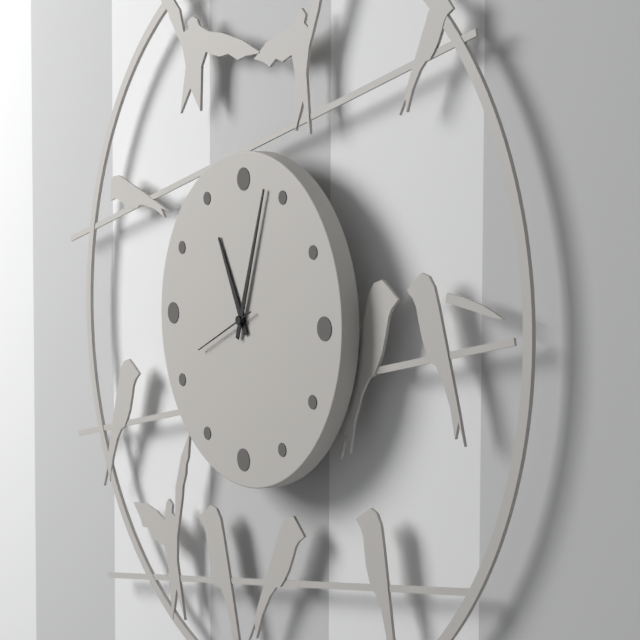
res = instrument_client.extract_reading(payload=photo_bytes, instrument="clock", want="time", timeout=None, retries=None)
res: 11:03:41
